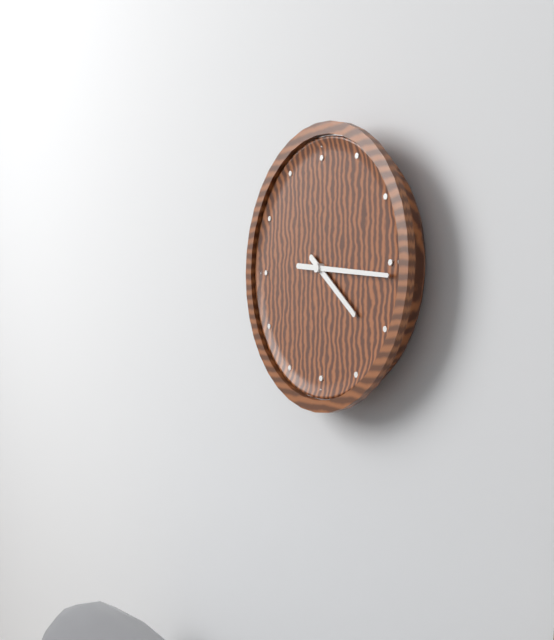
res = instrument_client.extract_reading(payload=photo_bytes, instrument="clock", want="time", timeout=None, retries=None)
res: 4:16
